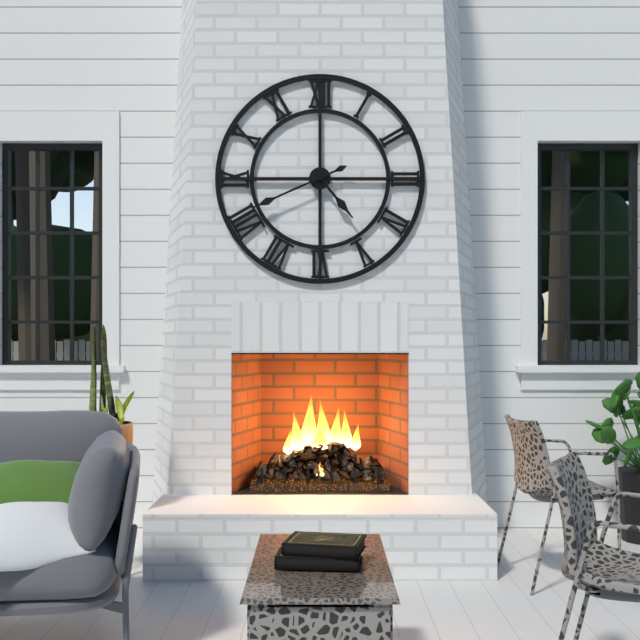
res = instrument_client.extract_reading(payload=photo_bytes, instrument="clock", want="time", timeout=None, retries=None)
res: 4:41
